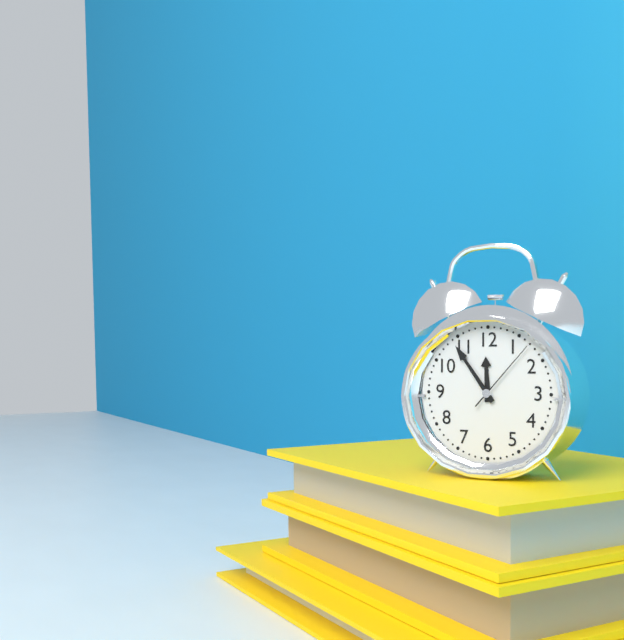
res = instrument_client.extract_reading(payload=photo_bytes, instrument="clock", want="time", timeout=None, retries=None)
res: 11:54:07
